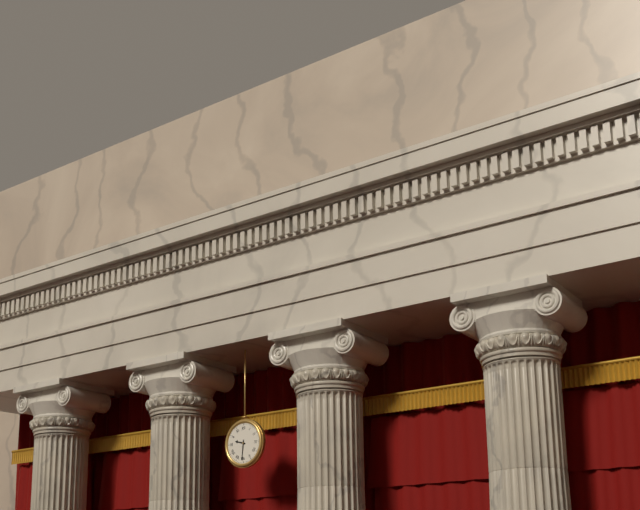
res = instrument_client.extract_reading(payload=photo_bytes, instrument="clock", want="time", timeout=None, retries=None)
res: 9:31
